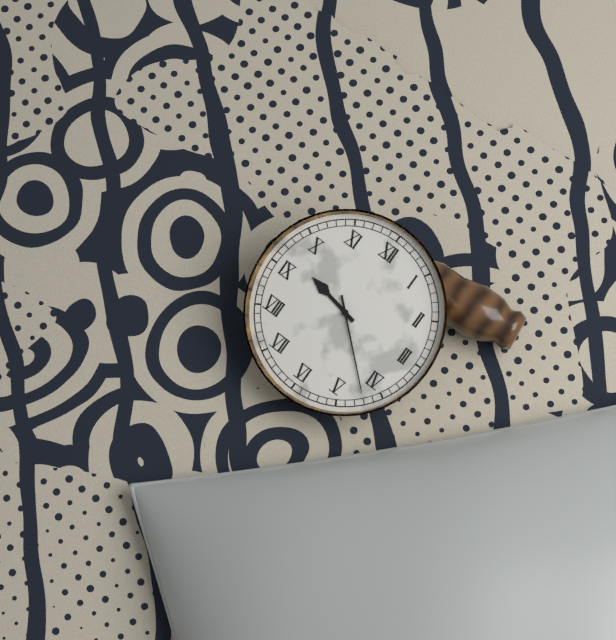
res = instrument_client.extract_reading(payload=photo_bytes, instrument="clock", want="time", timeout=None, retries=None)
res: 9:22
